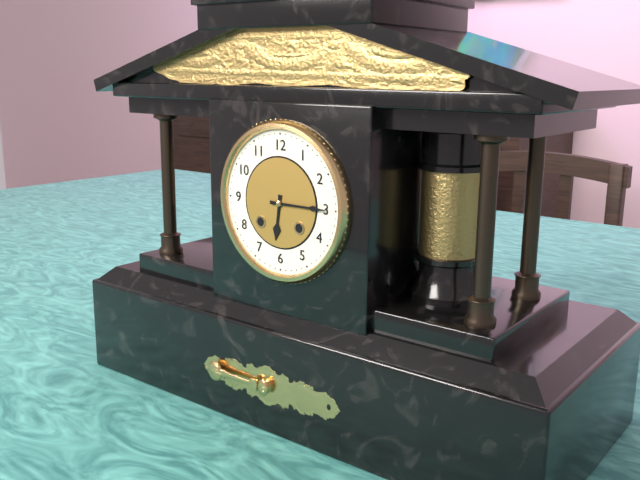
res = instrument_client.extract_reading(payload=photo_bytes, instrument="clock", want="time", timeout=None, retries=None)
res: 6:15
